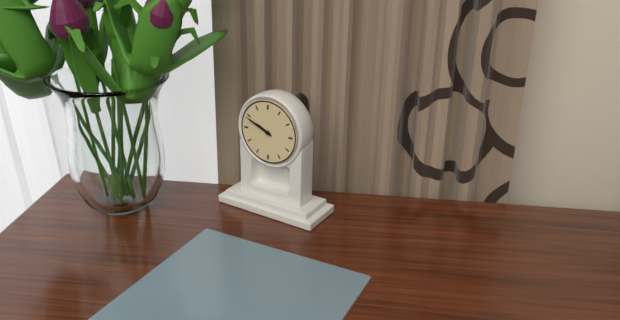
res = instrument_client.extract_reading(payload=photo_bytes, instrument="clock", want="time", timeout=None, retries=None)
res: 9:49
